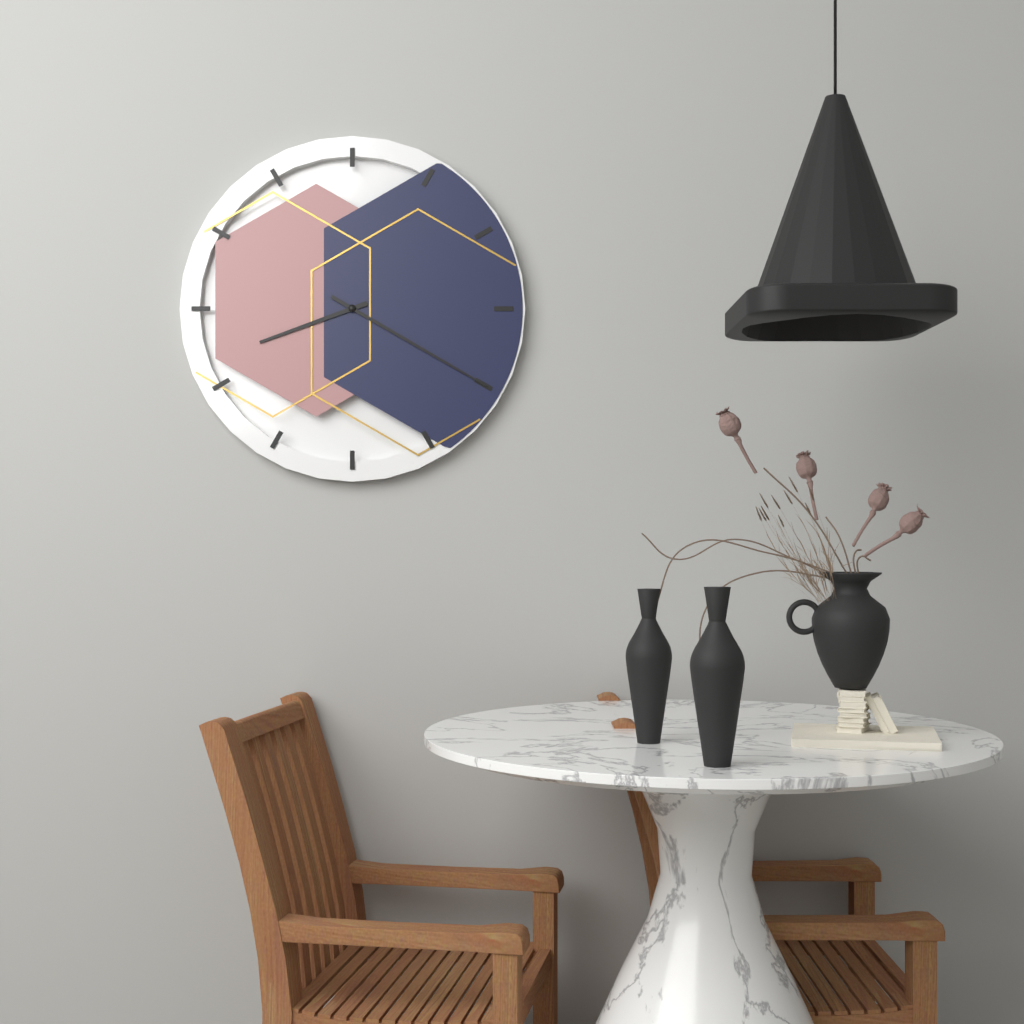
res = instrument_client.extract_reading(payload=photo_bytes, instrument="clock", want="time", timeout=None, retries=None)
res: 8:20
